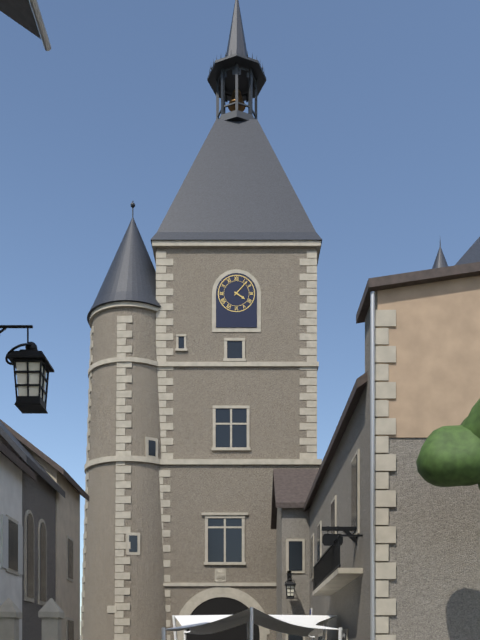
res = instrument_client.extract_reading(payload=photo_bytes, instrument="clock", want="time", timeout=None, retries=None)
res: 4:07
